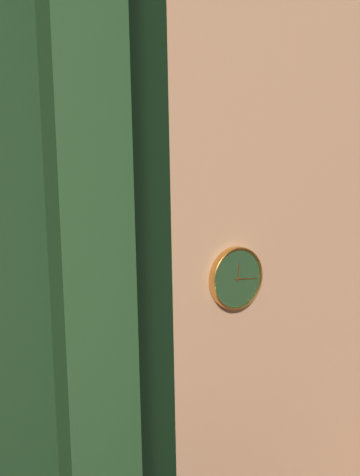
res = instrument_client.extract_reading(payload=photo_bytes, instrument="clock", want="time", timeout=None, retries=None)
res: 12:16
